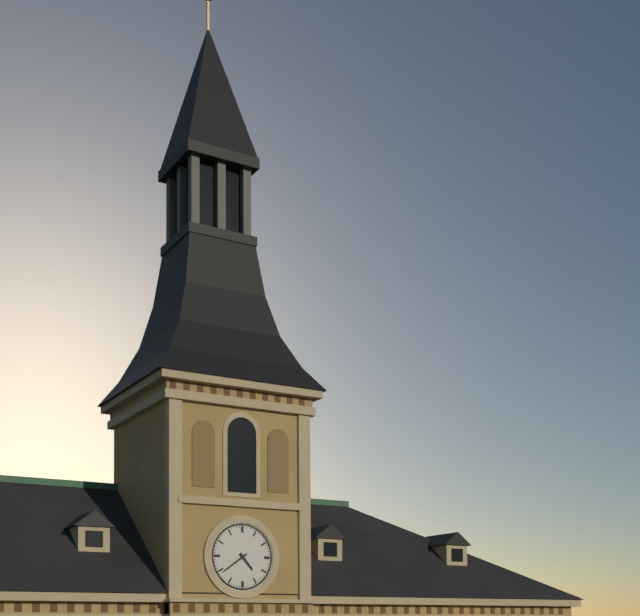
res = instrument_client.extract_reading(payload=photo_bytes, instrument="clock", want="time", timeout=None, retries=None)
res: 4:39
